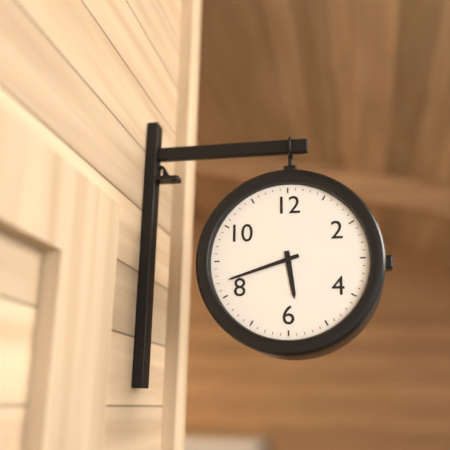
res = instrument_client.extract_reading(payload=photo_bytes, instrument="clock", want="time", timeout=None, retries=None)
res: 5:42
